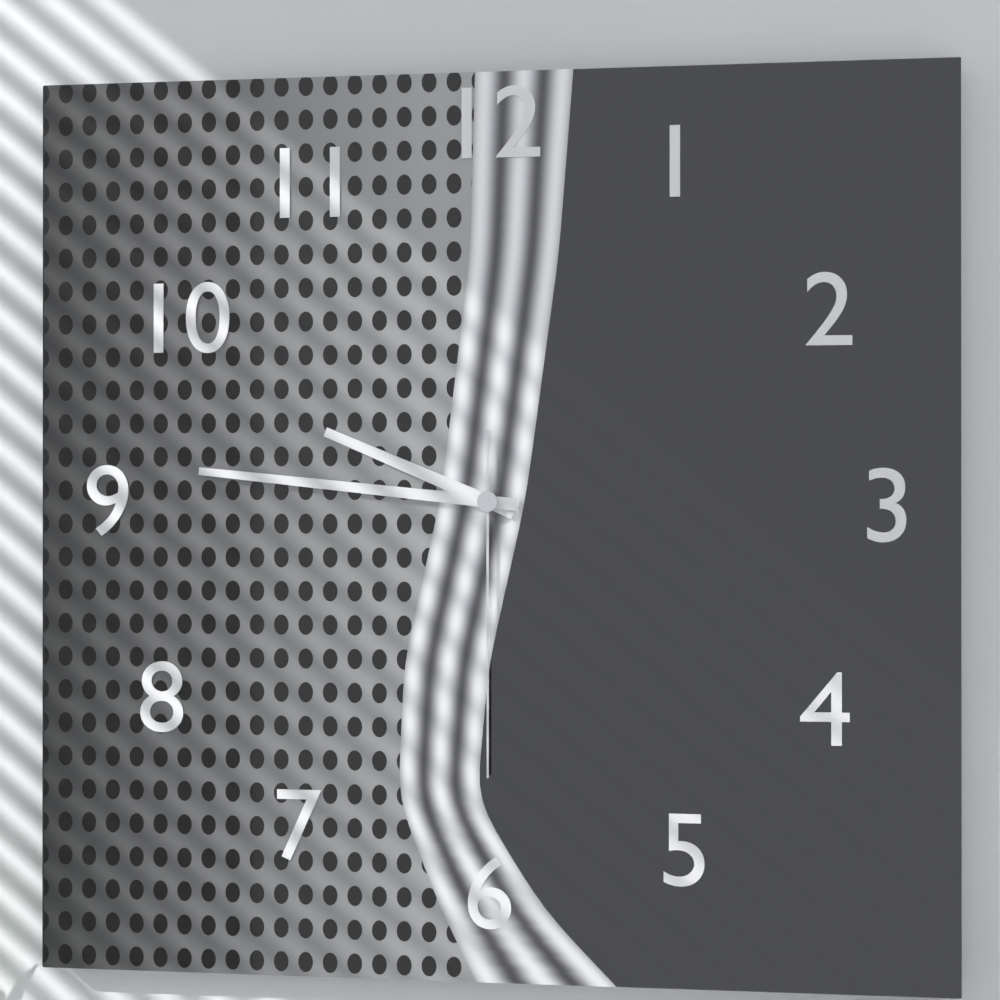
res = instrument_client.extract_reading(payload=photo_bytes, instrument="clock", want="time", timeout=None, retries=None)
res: 9:46:30
